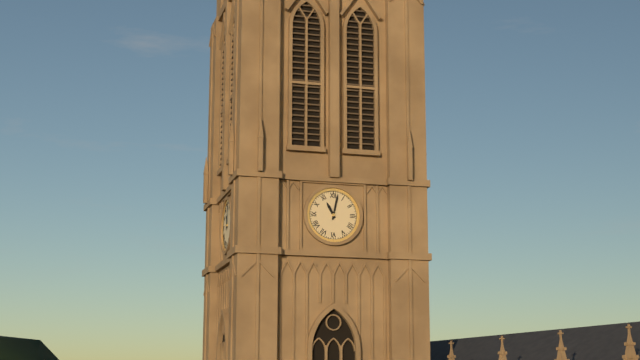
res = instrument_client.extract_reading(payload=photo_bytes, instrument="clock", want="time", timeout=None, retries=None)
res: 11:02
